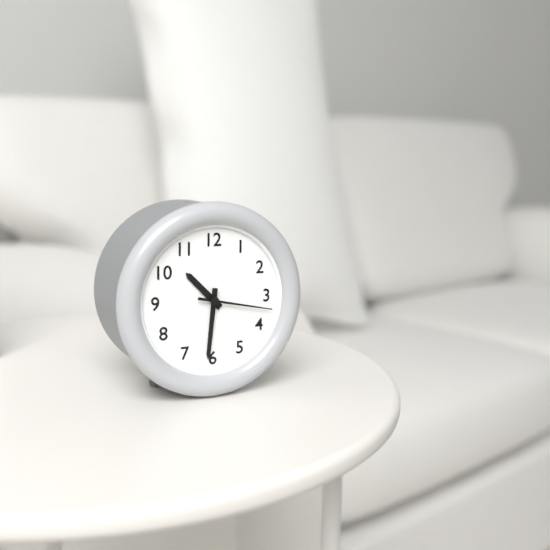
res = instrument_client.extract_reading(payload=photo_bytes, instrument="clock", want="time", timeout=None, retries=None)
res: 10:31:17
